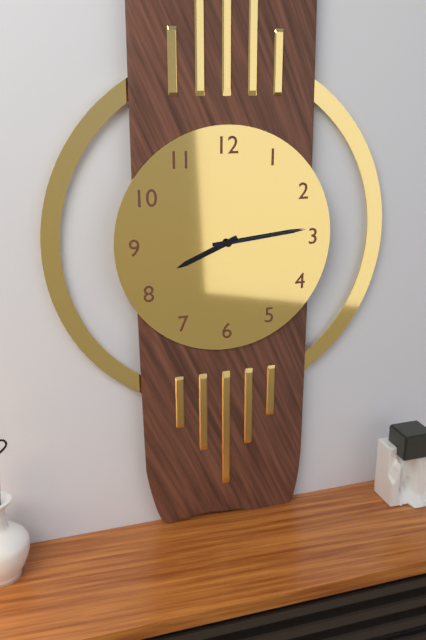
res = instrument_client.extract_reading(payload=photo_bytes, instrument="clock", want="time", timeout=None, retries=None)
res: 8:14
